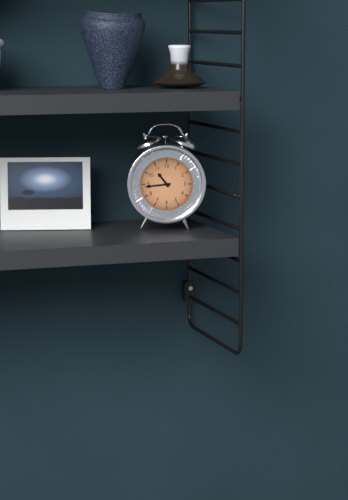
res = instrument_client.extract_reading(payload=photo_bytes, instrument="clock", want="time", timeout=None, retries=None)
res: 10:44
